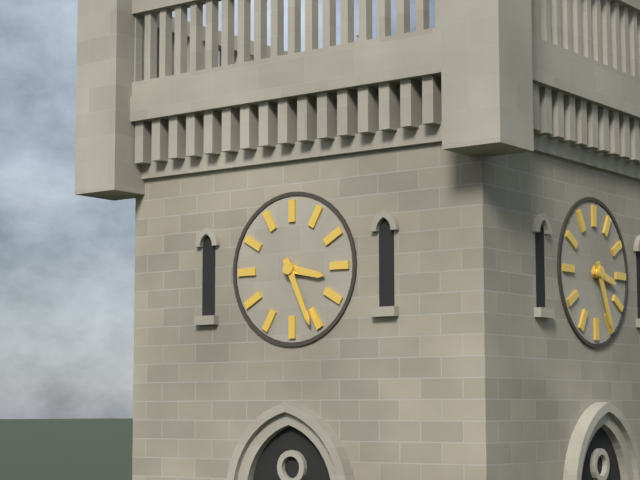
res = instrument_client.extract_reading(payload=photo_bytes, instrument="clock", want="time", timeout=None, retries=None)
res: 3:26
